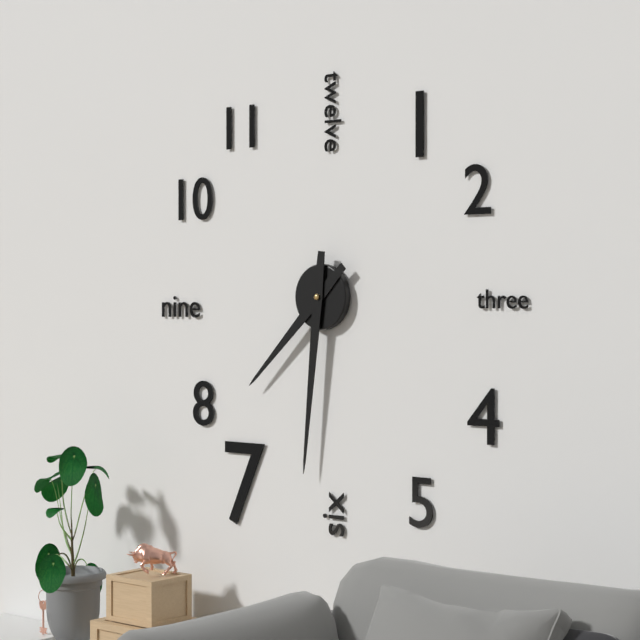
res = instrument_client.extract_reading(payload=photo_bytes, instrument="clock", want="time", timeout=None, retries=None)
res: 7:31
